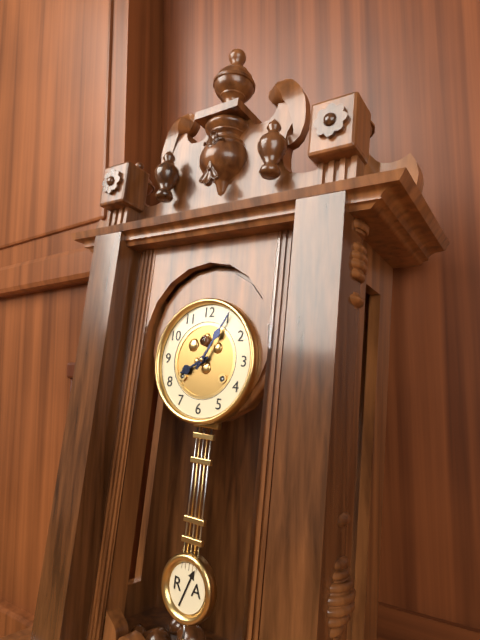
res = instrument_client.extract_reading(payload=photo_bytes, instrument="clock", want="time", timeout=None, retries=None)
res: 8:05
